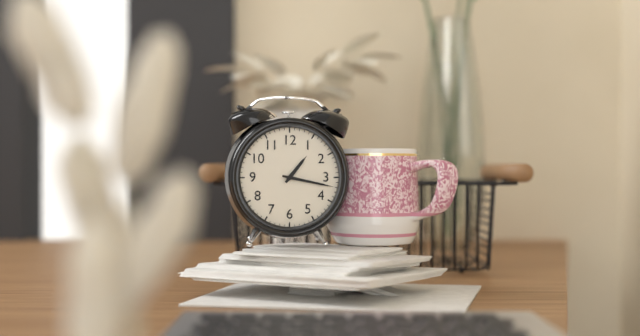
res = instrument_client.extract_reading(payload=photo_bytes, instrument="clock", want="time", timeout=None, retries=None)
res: 1:17
